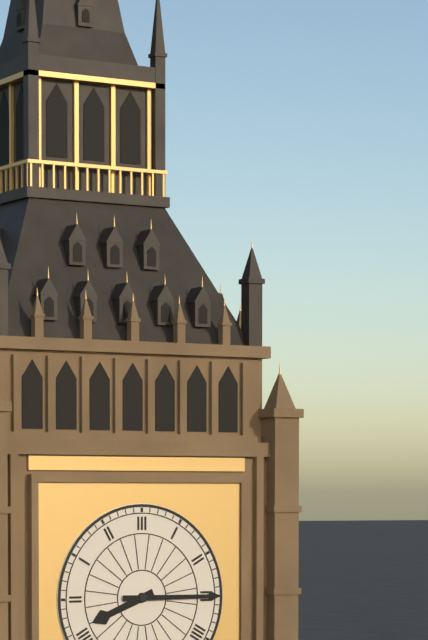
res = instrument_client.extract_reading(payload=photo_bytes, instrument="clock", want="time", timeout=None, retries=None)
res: 8:15
